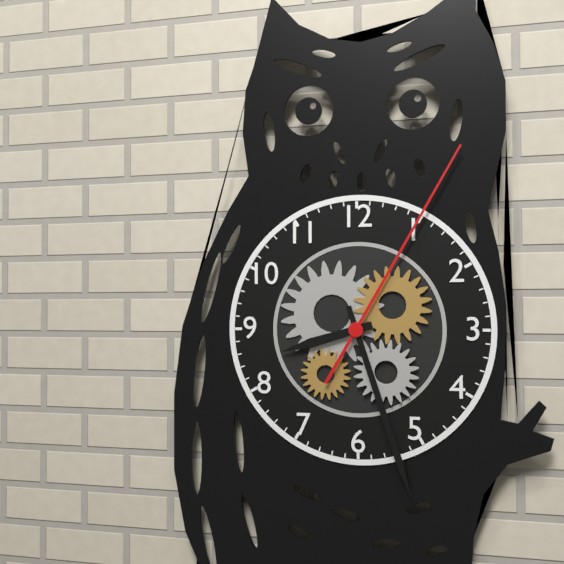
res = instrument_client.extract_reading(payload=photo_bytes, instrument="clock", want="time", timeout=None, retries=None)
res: 8:27:05
